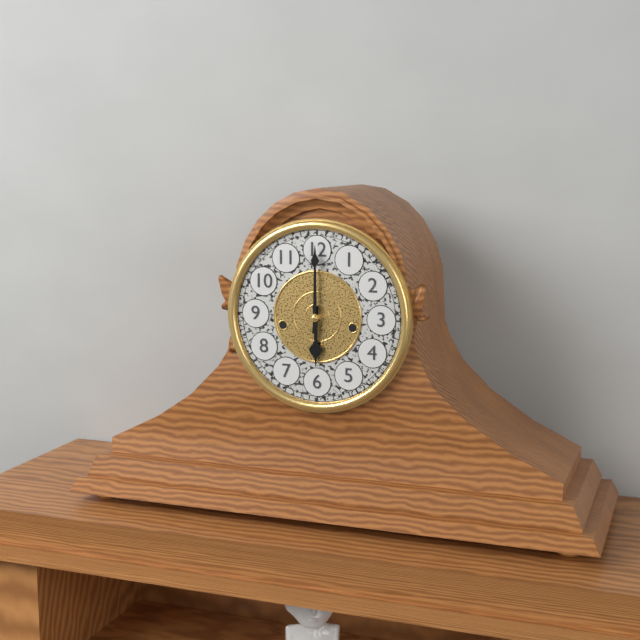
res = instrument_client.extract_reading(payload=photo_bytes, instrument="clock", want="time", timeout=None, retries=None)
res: 6:00
